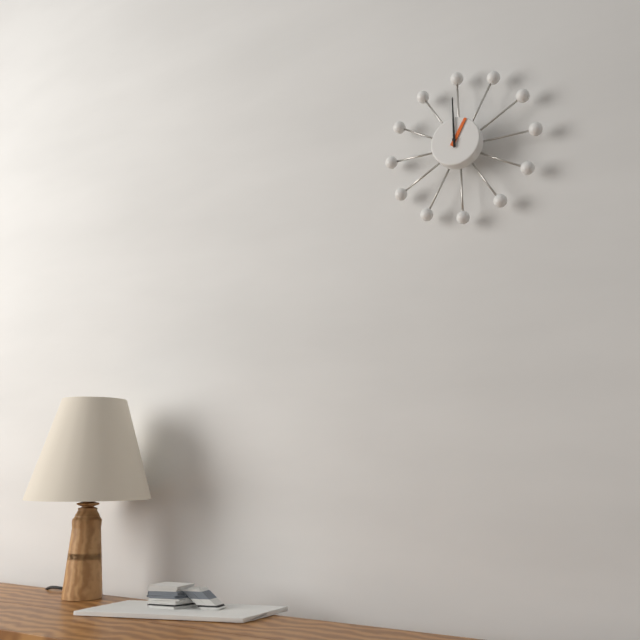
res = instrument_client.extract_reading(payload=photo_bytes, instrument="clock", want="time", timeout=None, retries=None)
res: 1:00
